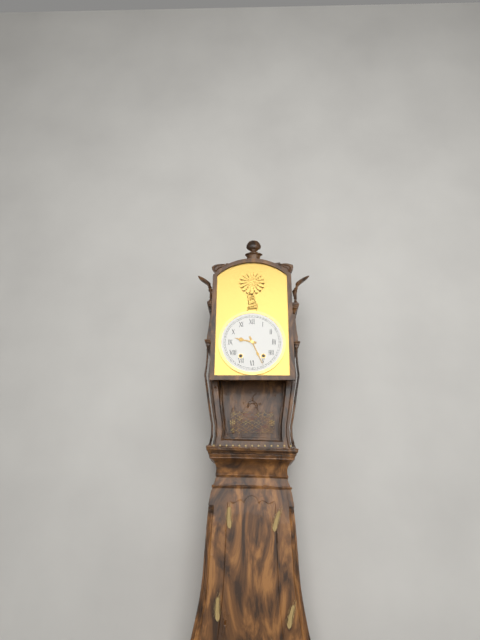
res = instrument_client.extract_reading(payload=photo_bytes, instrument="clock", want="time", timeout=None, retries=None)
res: 9:26
